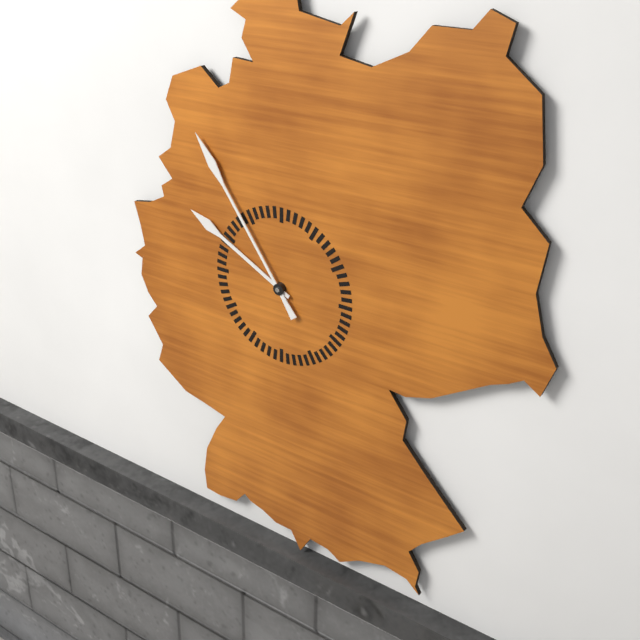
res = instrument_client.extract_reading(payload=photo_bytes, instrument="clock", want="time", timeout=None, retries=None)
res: 9:54
